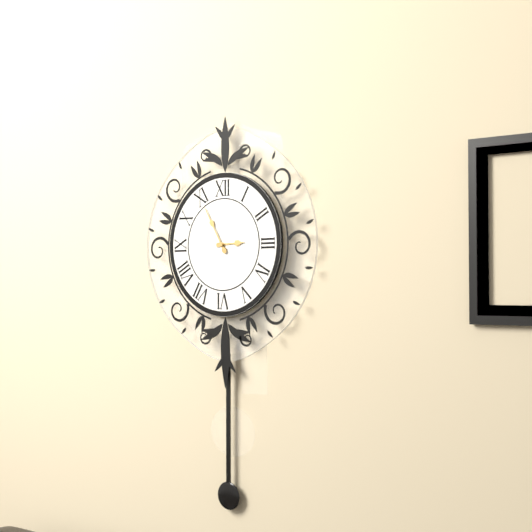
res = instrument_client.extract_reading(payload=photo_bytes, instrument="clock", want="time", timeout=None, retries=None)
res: 2:55
